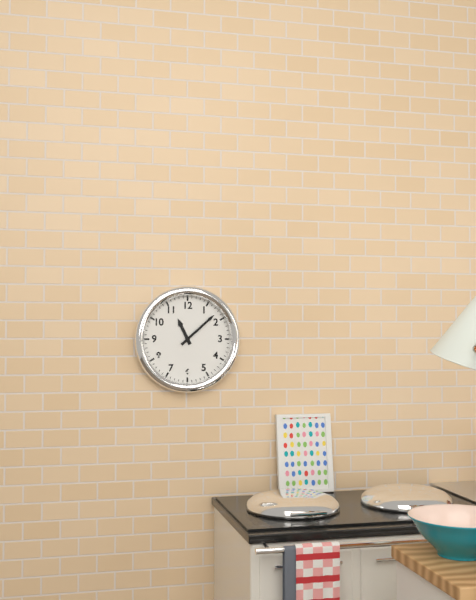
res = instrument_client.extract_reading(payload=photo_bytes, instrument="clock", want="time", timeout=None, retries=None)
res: 11:08
